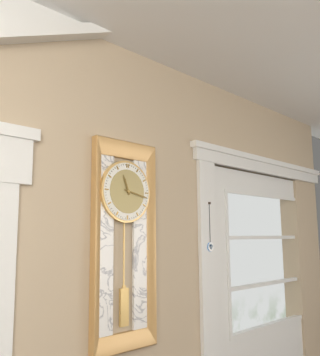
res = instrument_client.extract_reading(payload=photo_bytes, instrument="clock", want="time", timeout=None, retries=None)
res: 11:17
